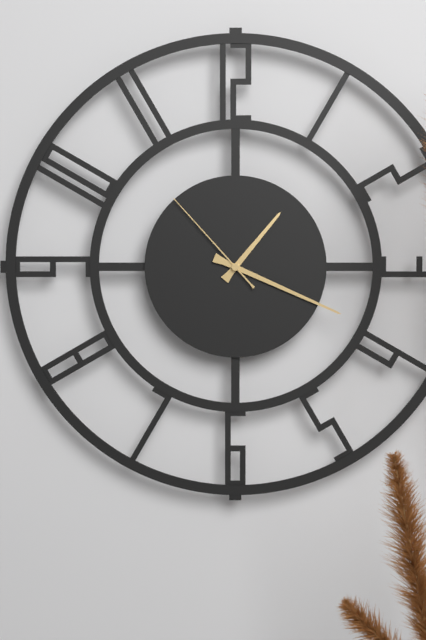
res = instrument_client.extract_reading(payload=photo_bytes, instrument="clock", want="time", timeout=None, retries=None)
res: 1:19:53
